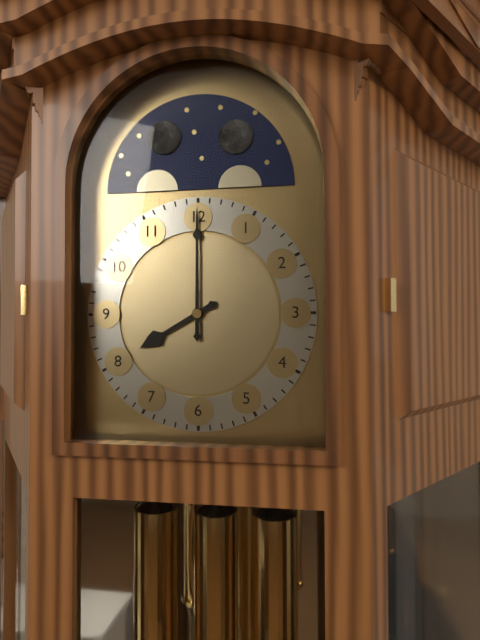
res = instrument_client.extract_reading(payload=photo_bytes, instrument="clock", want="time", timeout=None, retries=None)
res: 8:00
